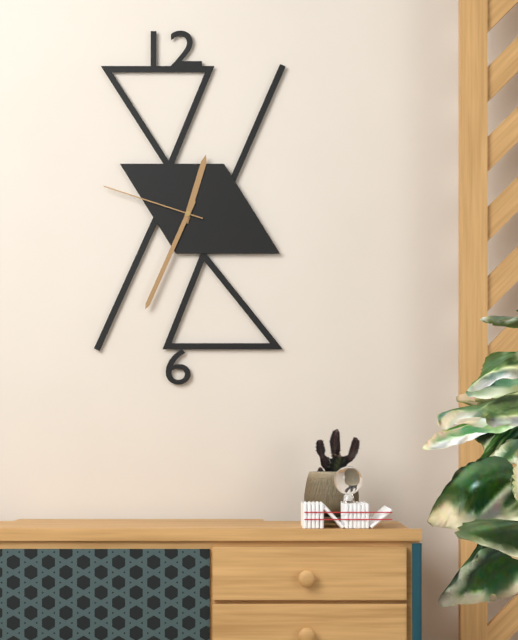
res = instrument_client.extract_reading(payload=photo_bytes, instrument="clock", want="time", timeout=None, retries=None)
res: 12:34:48
